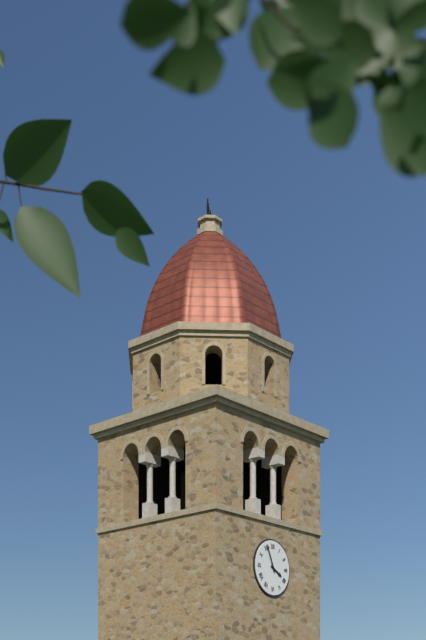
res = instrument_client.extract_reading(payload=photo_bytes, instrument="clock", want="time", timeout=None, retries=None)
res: 3:56
